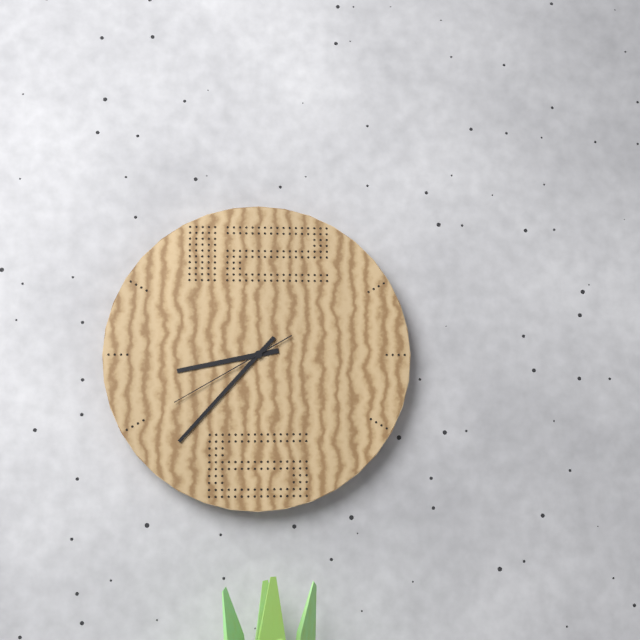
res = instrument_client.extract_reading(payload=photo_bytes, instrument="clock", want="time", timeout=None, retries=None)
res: 8:37:40
